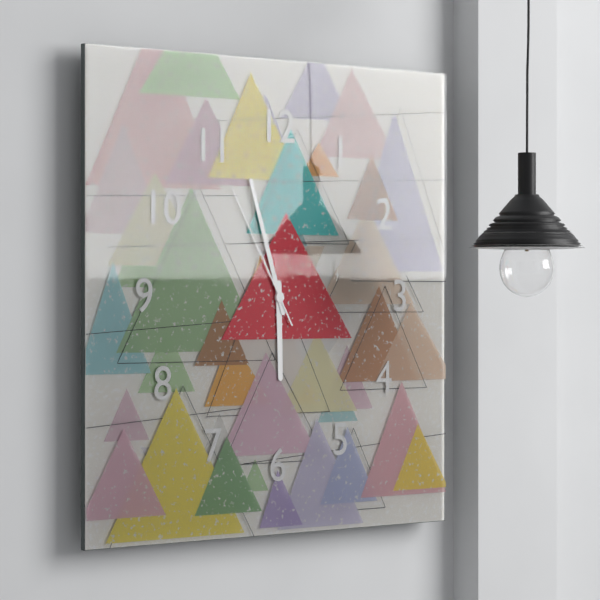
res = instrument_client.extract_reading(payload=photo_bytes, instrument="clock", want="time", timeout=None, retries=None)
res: 5:57:55
